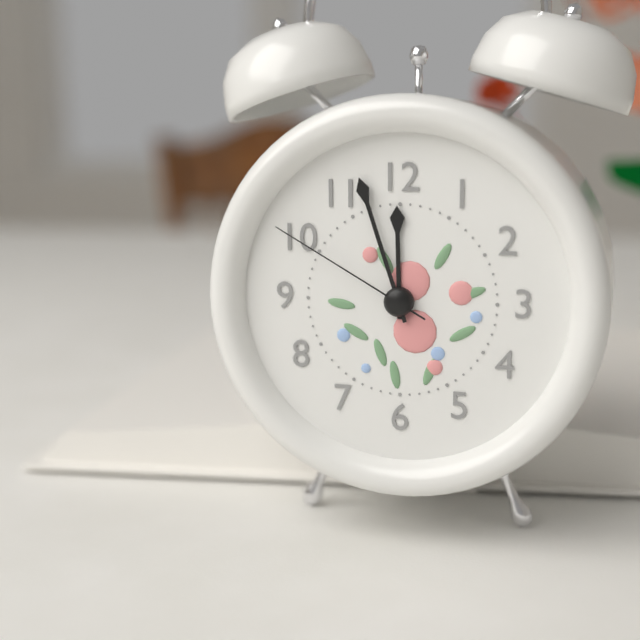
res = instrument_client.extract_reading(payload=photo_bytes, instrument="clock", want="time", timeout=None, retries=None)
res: 11:57:50
